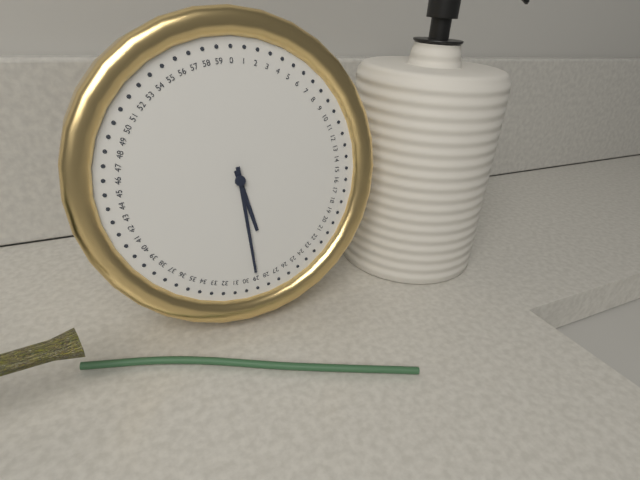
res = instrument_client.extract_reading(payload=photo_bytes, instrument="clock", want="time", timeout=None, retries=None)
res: 5:29
